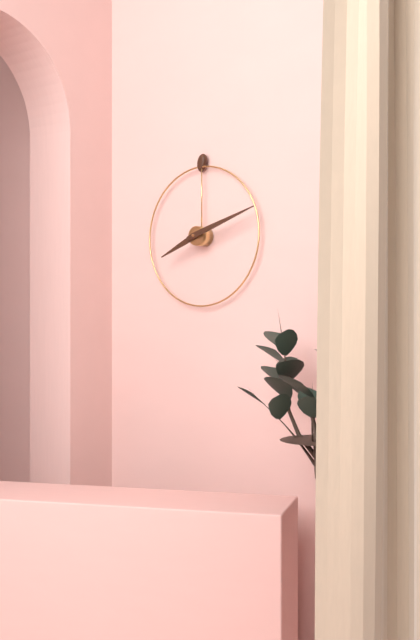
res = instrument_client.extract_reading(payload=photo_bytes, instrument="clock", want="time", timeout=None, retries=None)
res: 8:12
